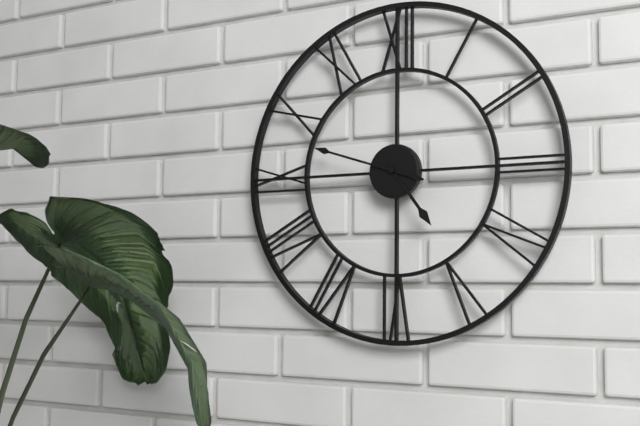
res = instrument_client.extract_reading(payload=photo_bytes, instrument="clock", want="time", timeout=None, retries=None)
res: 4:48
